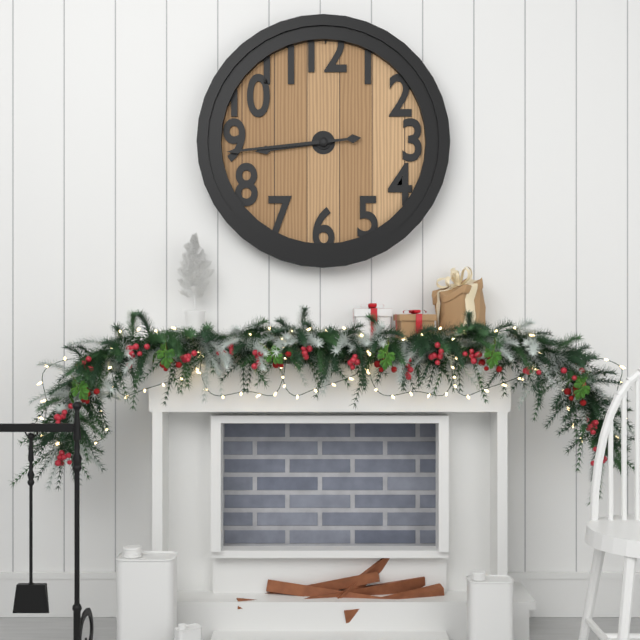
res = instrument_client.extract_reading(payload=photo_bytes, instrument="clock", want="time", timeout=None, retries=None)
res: 8:44
